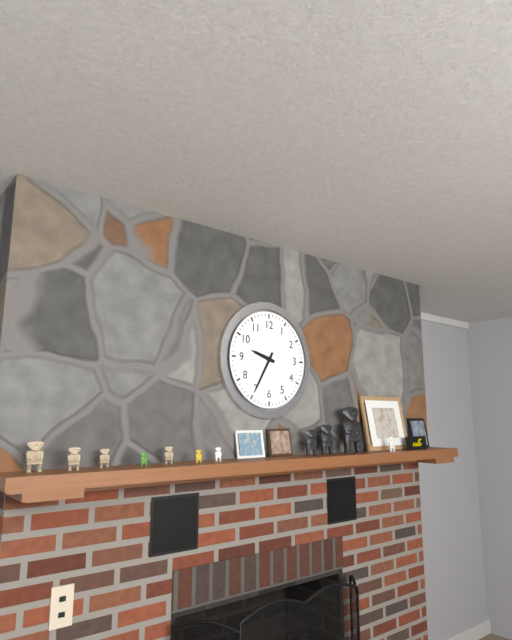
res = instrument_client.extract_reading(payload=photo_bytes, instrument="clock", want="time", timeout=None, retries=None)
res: 9:35
